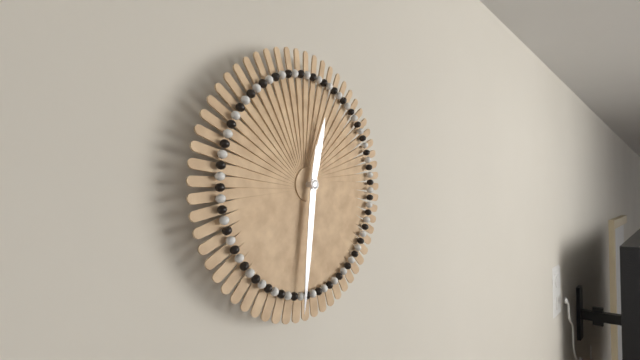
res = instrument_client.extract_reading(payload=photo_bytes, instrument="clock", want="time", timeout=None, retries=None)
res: 12:31
